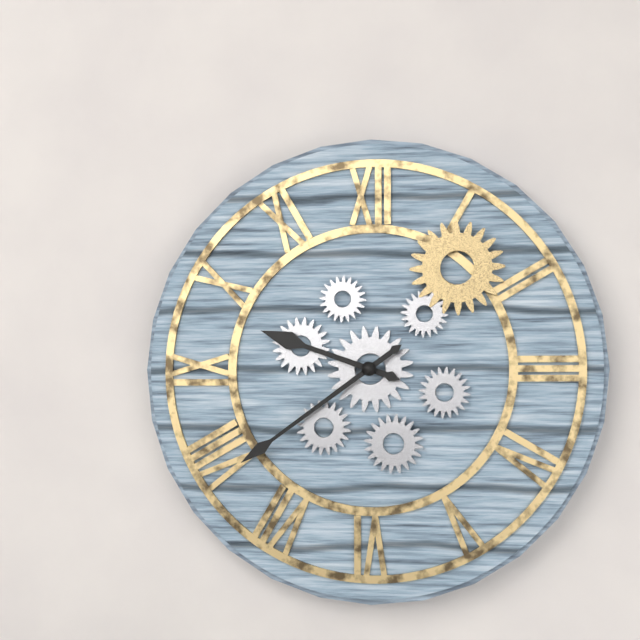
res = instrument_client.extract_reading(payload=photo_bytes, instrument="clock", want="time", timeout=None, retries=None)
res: 9:39
